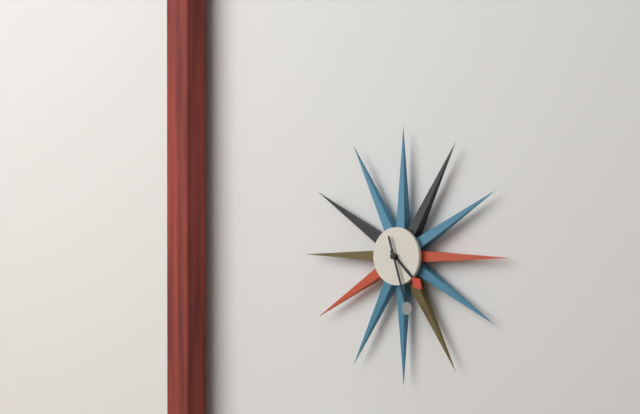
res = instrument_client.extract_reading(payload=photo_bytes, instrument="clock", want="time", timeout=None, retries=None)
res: 4:27
